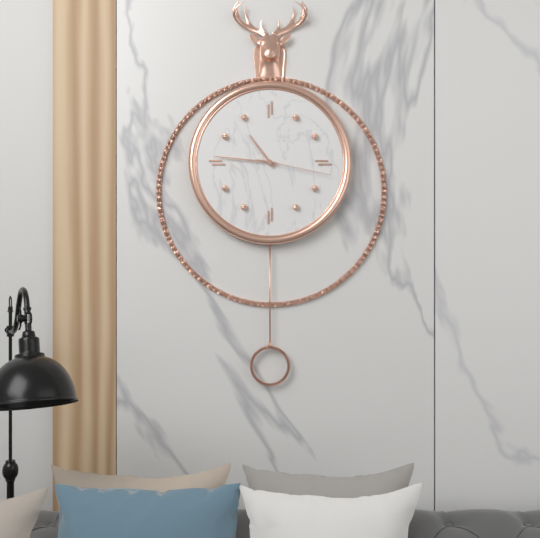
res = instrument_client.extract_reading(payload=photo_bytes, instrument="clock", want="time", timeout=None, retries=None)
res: 10:46:17
